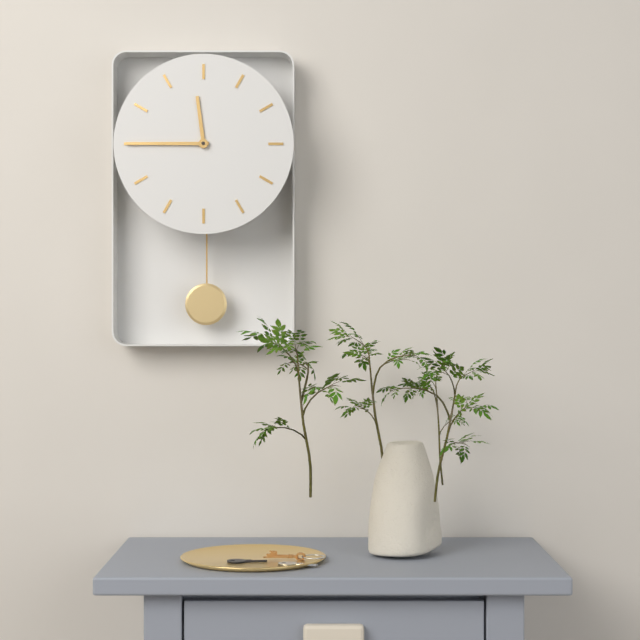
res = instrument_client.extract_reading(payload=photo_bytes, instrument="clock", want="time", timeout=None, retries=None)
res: 11:45
